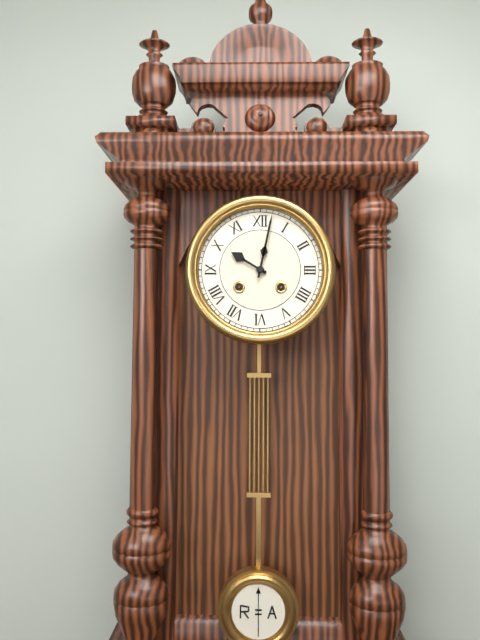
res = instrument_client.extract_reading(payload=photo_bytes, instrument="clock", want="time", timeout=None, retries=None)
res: 10:02
